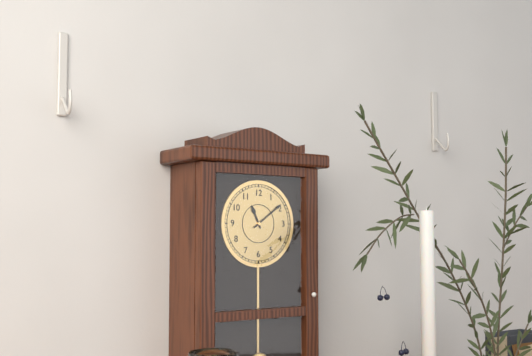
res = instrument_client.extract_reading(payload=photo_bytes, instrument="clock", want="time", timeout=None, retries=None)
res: 11:09
